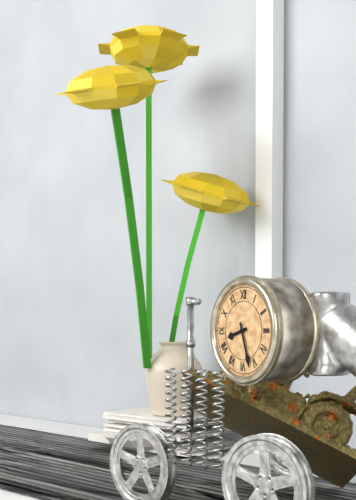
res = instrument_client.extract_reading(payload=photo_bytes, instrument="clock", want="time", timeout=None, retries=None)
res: 8:27
